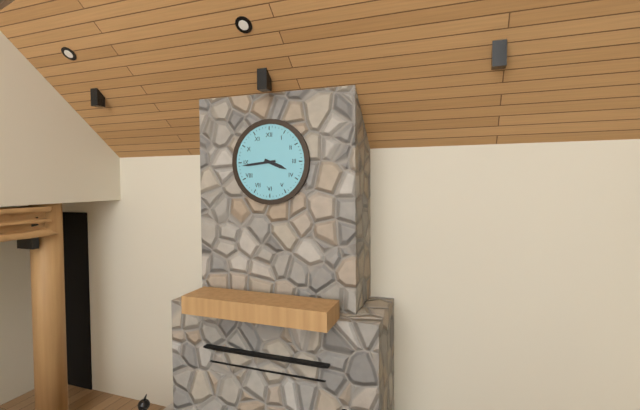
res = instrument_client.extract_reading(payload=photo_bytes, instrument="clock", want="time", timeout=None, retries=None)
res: 3:44
